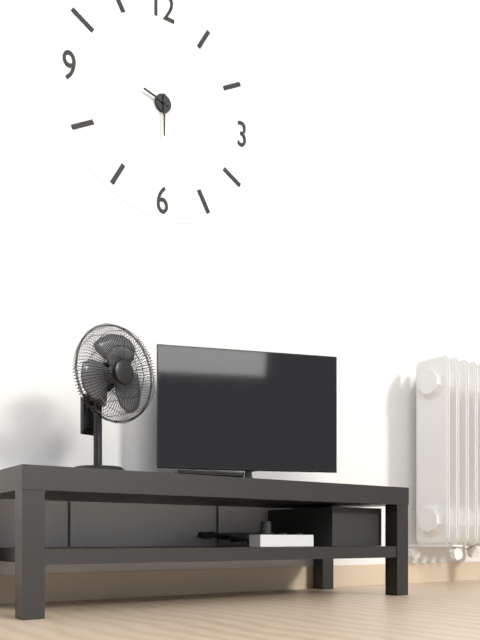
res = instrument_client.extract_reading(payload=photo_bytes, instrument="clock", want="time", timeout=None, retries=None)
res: 9:30
